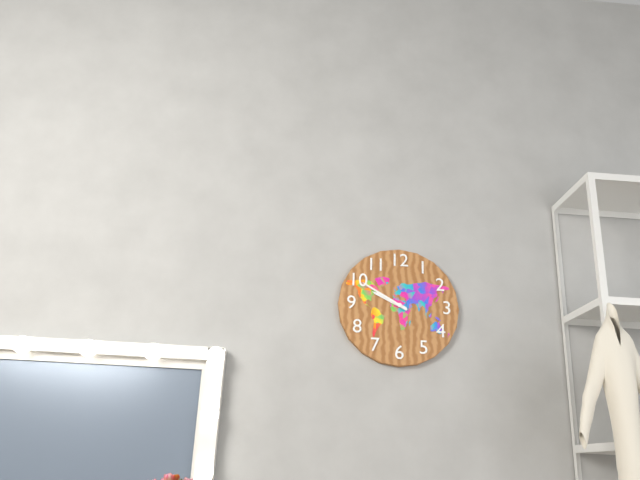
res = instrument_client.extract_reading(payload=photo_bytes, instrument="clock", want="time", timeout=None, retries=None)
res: 9:50
